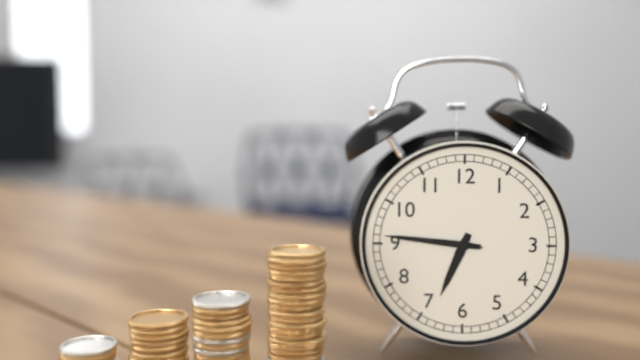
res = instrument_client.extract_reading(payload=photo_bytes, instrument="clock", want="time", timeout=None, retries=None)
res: 6:46:46
